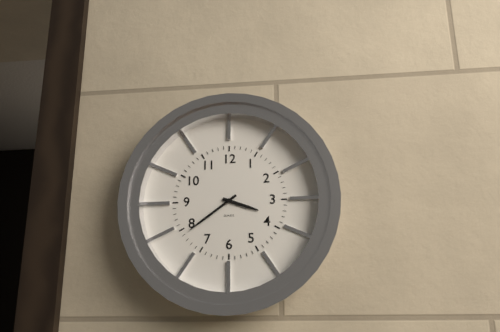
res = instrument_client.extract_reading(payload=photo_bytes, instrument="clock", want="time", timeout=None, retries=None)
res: 3:39
